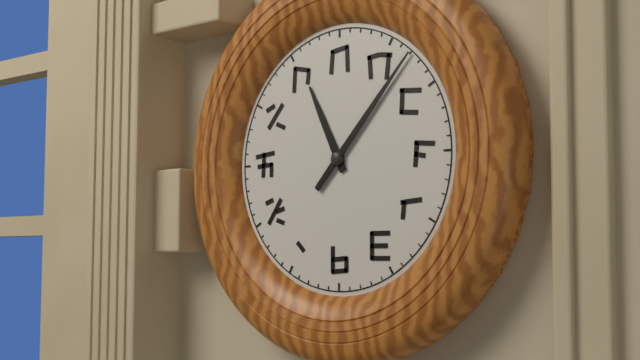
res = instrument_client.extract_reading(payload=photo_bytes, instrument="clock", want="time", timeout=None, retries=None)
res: 11:07
